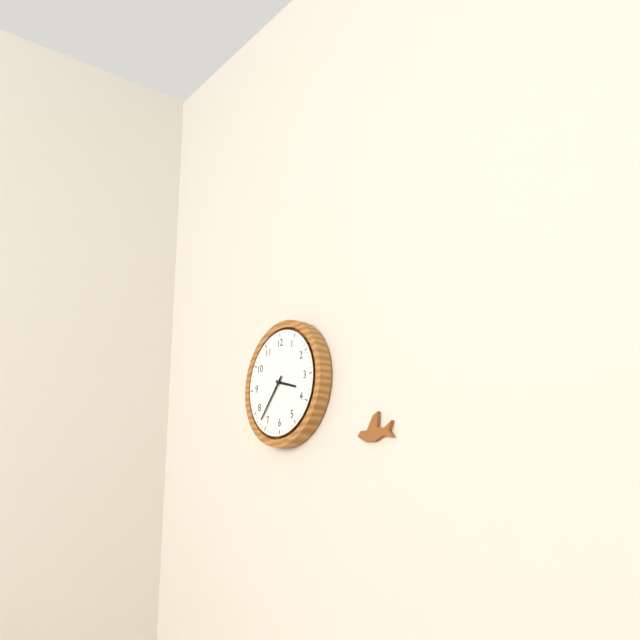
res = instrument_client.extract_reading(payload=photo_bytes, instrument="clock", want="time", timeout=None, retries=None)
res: 3:37
